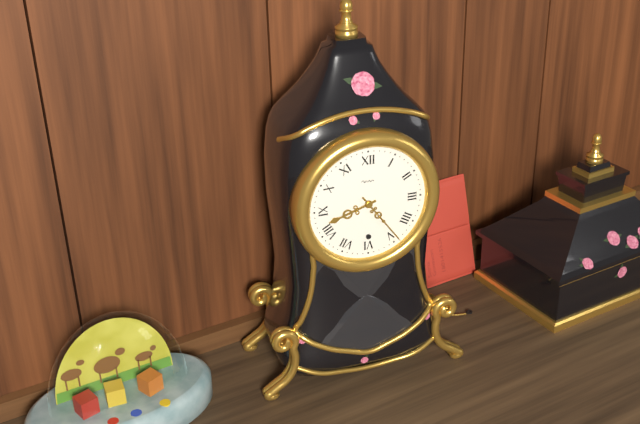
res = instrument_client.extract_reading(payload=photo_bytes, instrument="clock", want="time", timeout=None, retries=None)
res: 8:24
